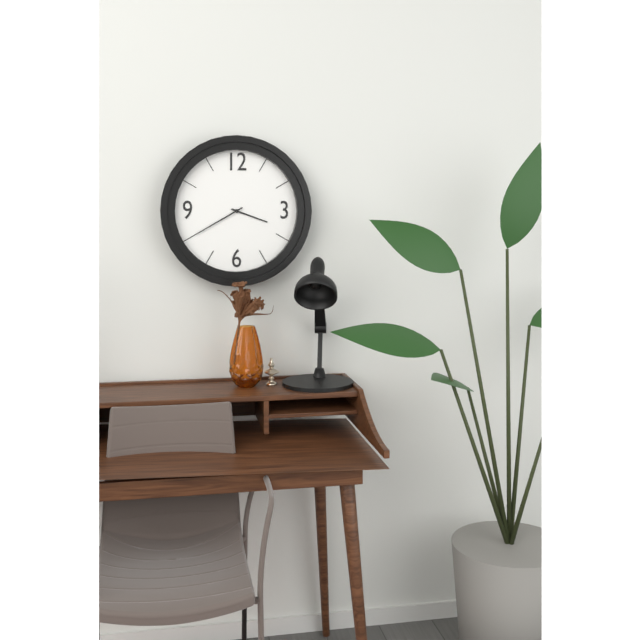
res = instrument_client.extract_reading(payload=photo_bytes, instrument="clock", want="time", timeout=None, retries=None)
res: 3:40
